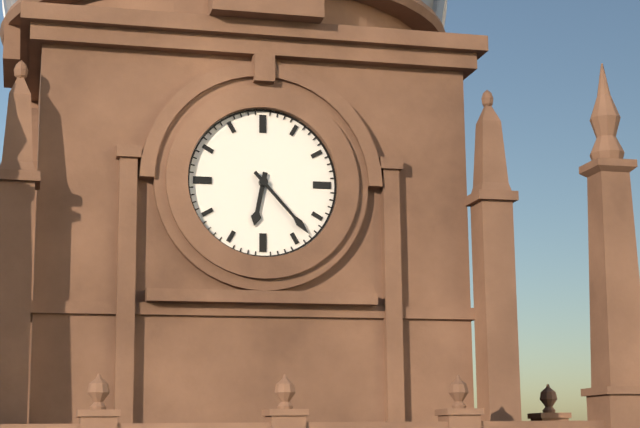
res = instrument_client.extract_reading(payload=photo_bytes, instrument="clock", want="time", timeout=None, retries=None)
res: 6:23
